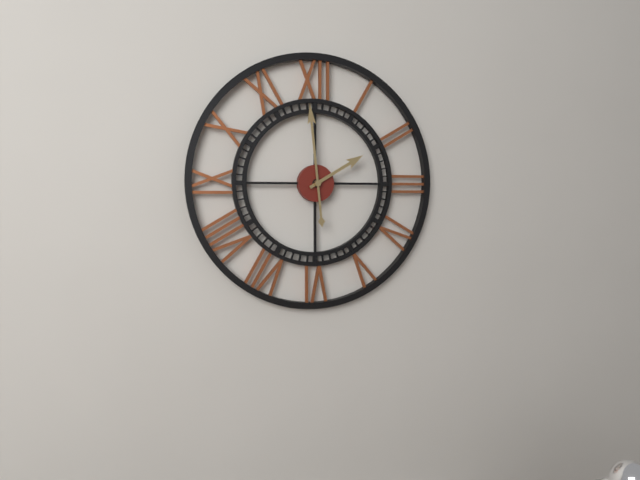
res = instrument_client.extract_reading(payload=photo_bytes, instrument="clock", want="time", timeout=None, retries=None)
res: 1:59
